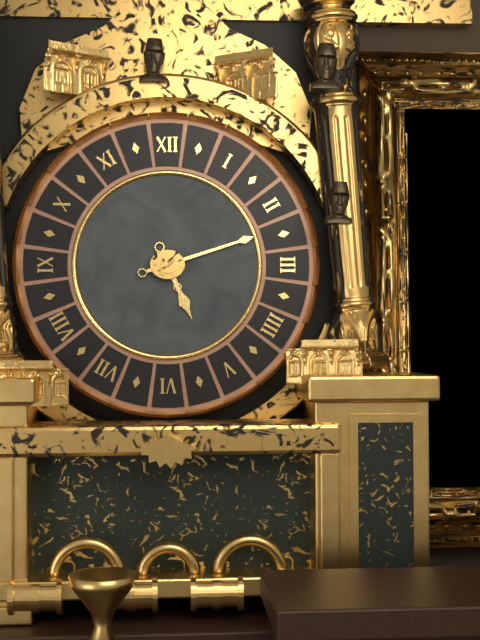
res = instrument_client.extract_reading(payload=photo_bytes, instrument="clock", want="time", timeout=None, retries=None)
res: 5:12
